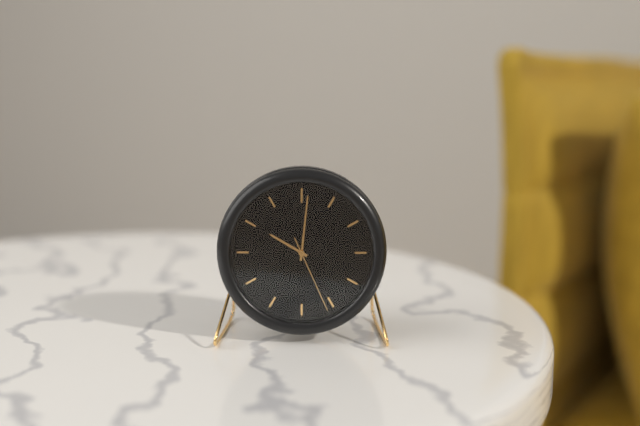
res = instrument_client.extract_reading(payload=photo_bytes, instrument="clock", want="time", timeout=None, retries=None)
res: 10:01:26
